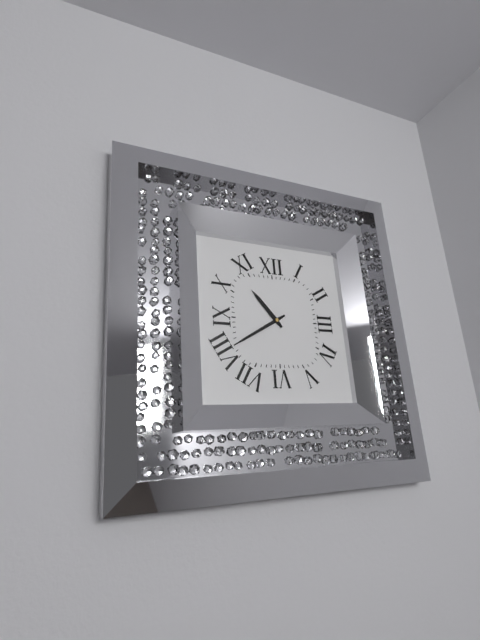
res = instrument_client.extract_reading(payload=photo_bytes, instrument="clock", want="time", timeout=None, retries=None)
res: 10:40
